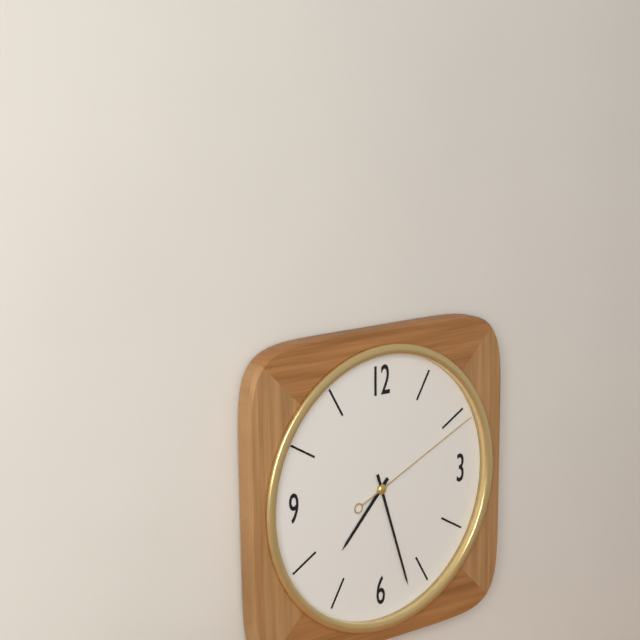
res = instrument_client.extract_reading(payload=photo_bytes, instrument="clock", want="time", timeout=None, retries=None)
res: 7:27:11
